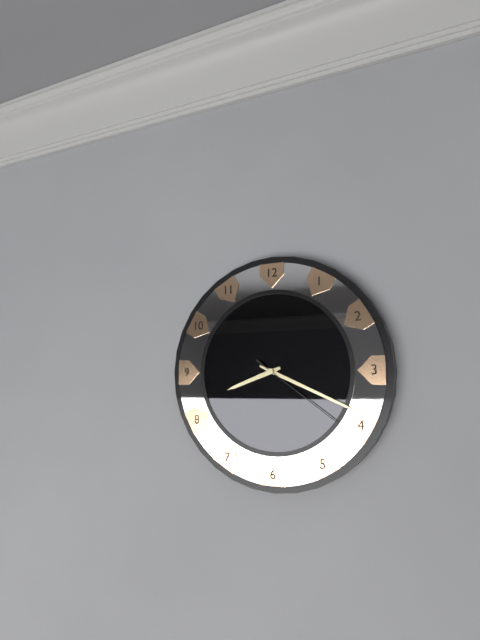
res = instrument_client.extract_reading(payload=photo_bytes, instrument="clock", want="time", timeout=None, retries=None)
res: 8:19:21
